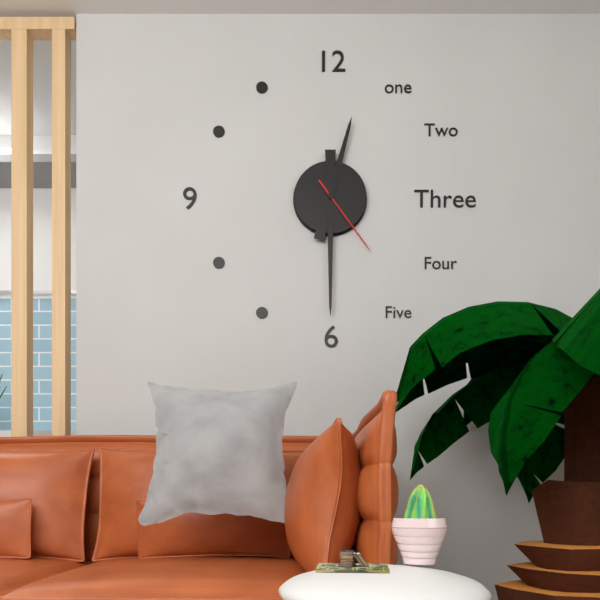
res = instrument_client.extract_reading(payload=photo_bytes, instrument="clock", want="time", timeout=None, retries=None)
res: 12:30:24
